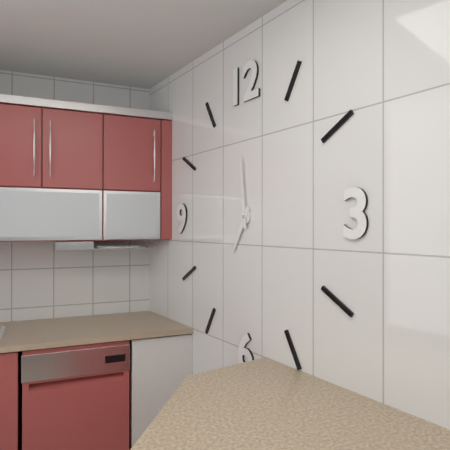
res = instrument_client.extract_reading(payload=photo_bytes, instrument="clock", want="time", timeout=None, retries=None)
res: 6:59
